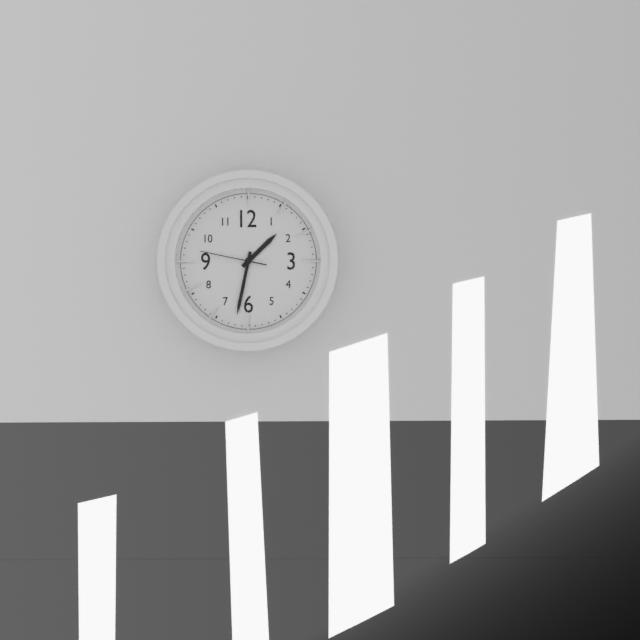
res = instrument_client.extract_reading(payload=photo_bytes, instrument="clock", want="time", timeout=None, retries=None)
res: 1:32:47
